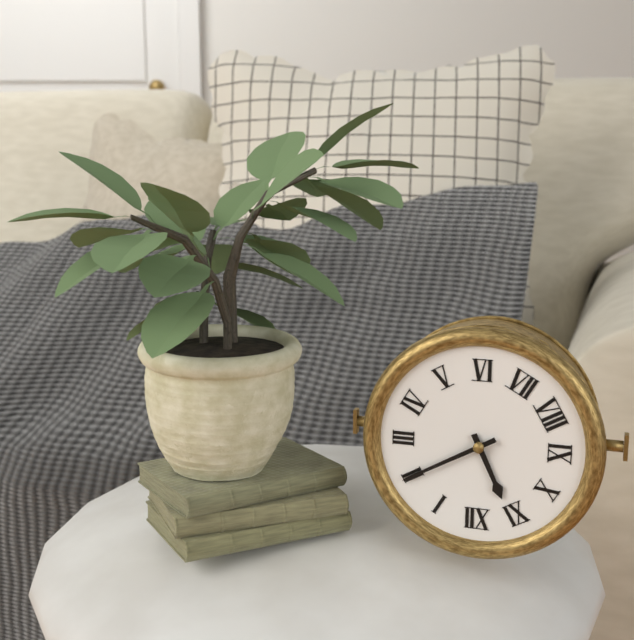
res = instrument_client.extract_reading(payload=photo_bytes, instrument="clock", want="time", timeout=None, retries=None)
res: 11:10
